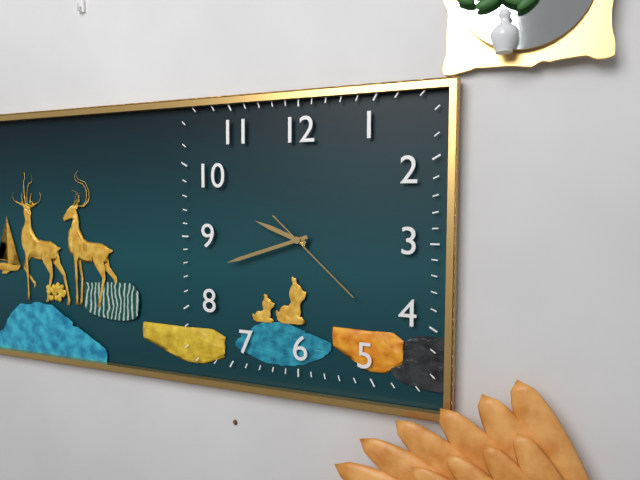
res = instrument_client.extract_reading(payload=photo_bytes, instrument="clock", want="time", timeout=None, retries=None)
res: 9:42:22
